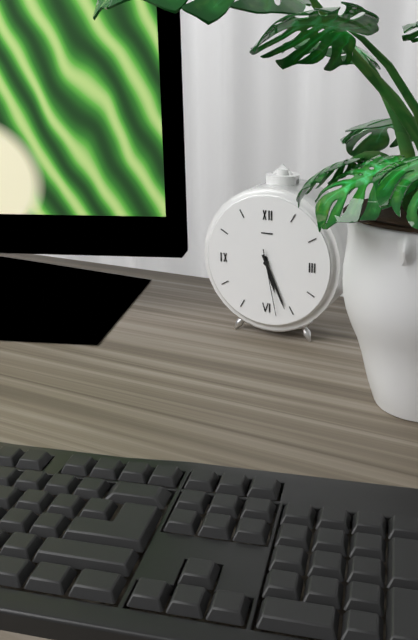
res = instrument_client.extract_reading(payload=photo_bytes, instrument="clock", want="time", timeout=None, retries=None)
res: 5:26:28
